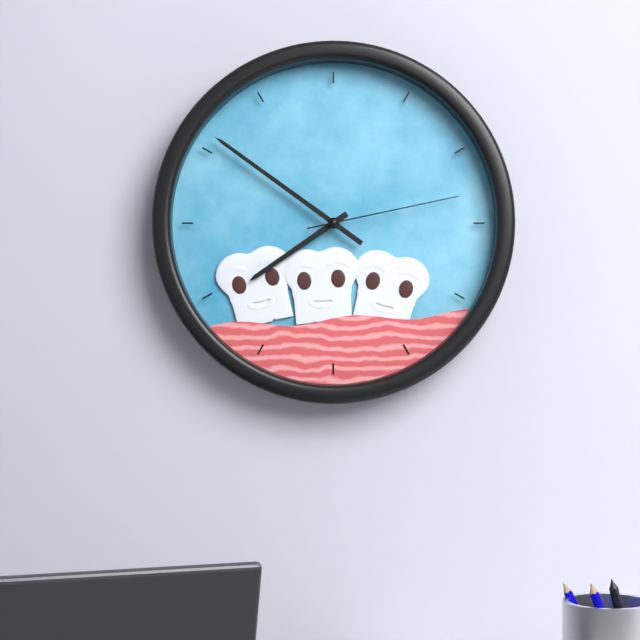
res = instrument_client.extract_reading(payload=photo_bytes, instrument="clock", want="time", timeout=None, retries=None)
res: 7:51:13
